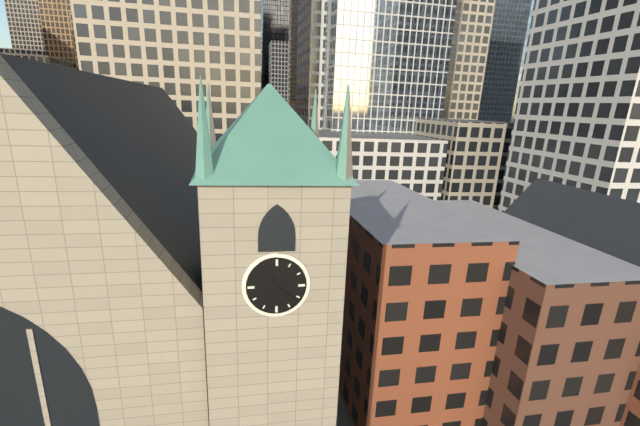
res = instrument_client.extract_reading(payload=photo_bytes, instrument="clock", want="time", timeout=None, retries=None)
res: 11:21
